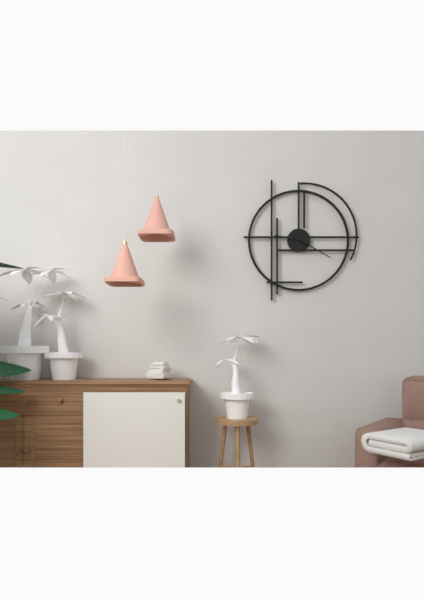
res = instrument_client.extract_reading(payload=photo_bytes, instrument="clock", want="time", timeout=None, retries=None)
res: 9:20
